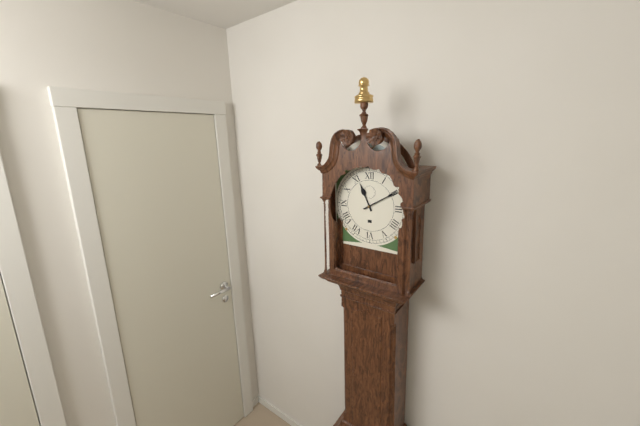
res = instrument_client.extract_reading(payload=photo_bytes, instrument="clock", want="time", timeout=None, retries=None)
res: 11:10
